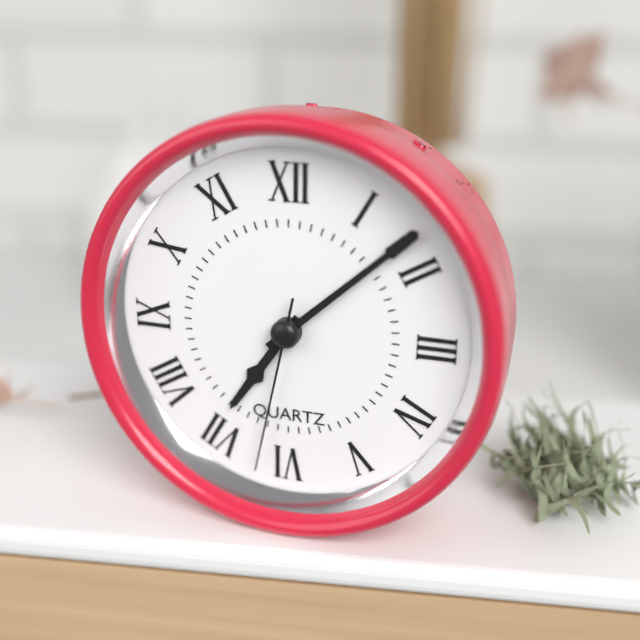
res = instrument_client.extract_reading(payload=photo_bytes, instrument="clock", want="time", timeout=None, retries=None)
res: 7:08:32
